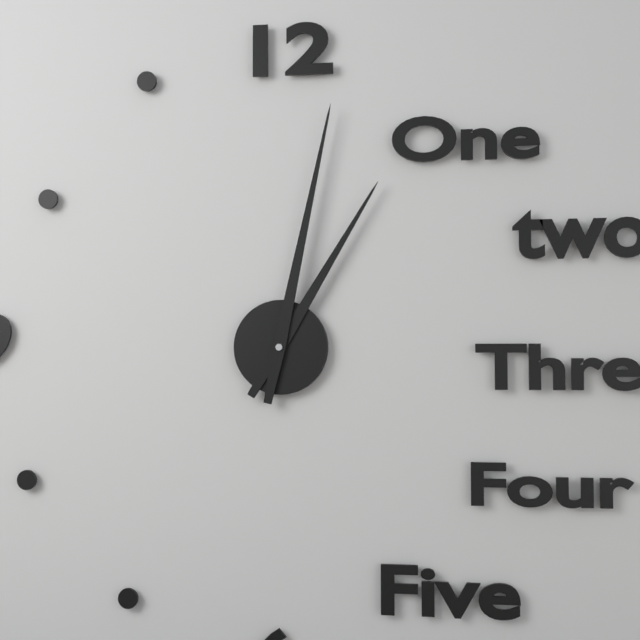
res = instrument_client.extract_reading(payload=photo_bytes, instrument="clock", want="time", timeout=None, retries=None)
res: 1:02
